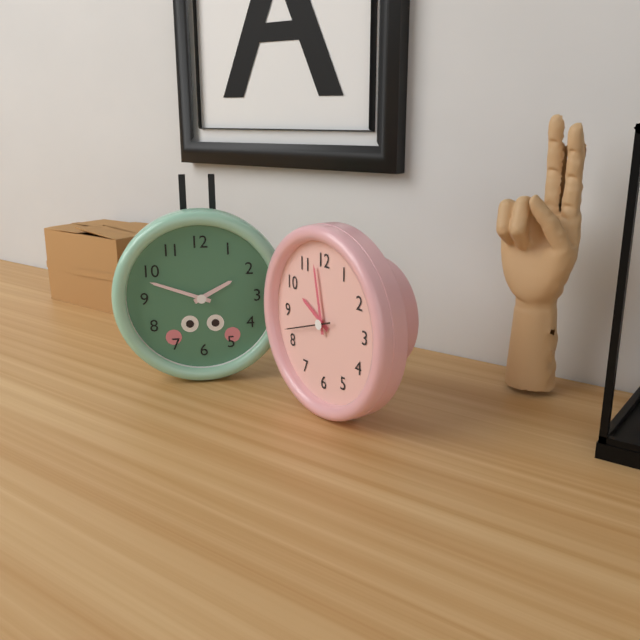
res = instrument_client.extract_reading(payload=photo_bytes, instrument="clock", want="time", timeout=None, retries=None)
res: 9:58
